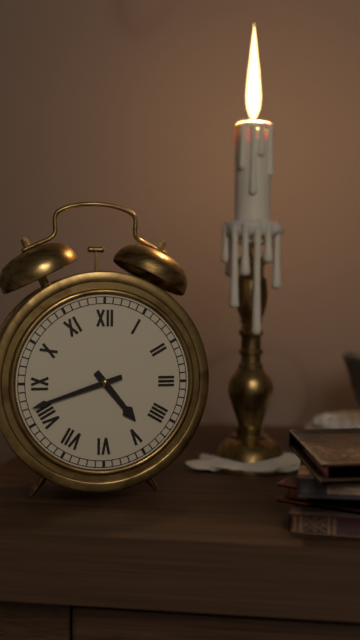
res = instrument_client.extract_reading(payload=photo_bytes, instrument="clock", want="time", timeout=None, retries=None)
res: 4:42
